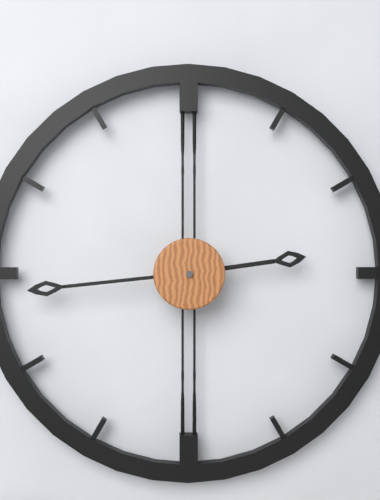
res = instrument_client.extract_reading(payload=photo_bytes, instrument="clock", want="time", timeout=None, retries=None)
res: 2:44
